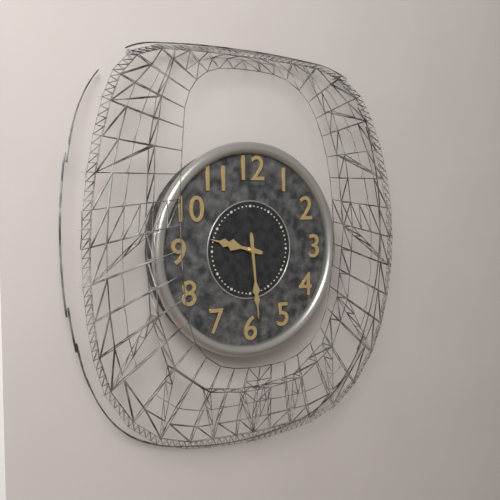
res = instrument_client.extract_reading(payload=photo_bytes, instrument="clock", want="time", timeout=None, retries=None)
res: 9:29
